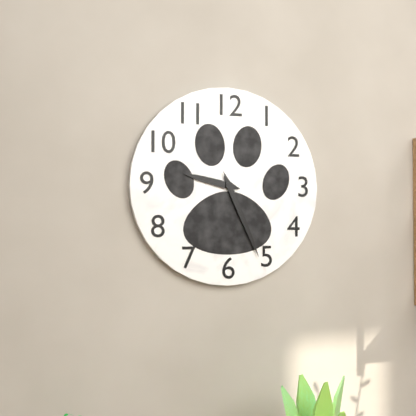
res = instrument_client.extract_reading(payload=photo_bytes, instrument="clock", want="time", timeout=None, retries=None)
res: 9:26
